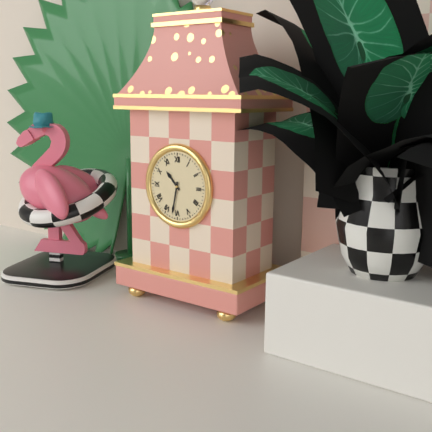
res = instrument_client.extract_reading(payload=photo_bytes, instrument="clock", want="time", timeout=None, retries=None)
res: 10:32
